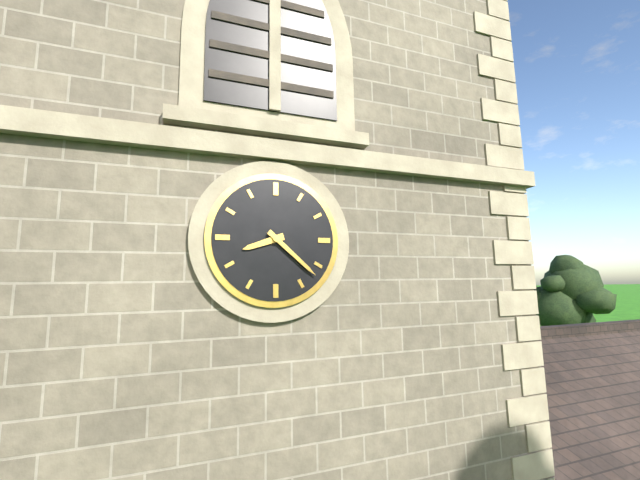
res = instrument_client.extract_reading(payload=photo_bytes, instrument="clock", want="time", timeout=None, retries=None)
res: 8:22
